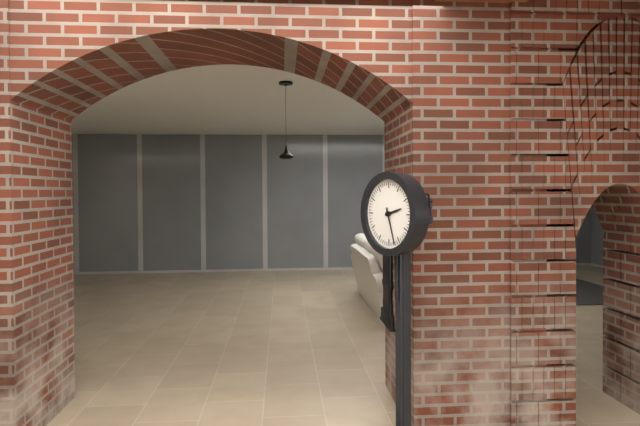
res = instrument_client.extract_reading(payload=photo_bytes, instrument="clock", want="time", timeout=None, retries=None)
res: 2:27
